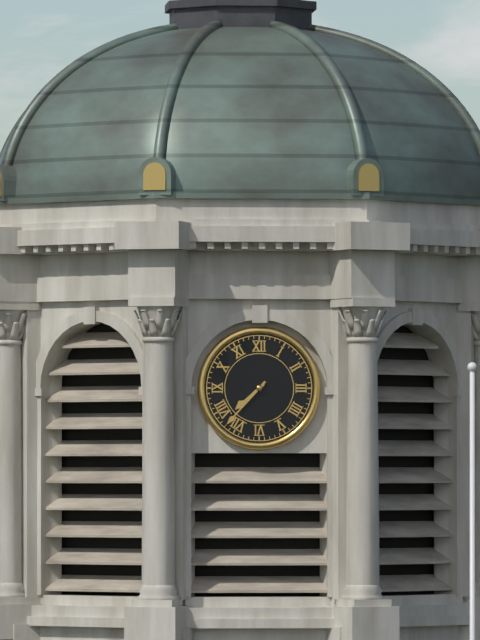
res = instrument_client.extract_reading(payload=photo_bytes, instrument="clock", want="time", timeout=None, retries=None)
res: 7:37
